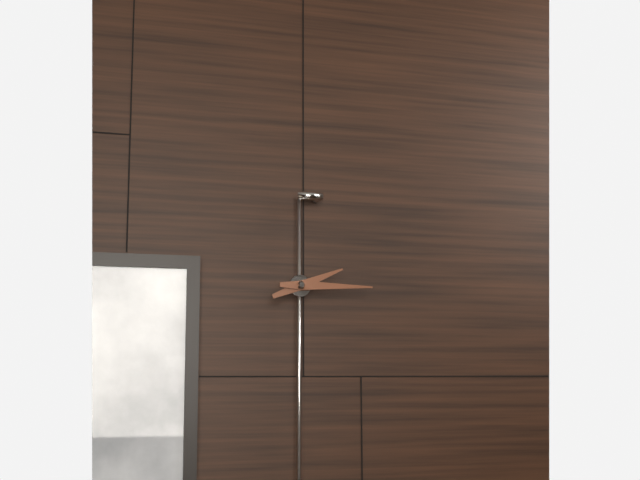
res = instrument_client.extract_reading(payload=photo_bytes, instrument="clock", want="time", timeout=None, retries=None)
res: 2:15
